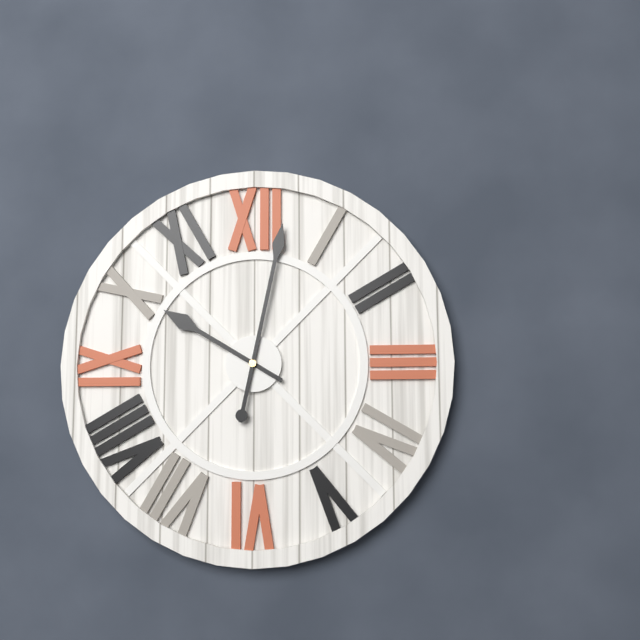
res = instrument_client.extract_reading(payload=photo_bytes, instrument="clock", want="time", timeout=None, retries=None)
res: 10:02
